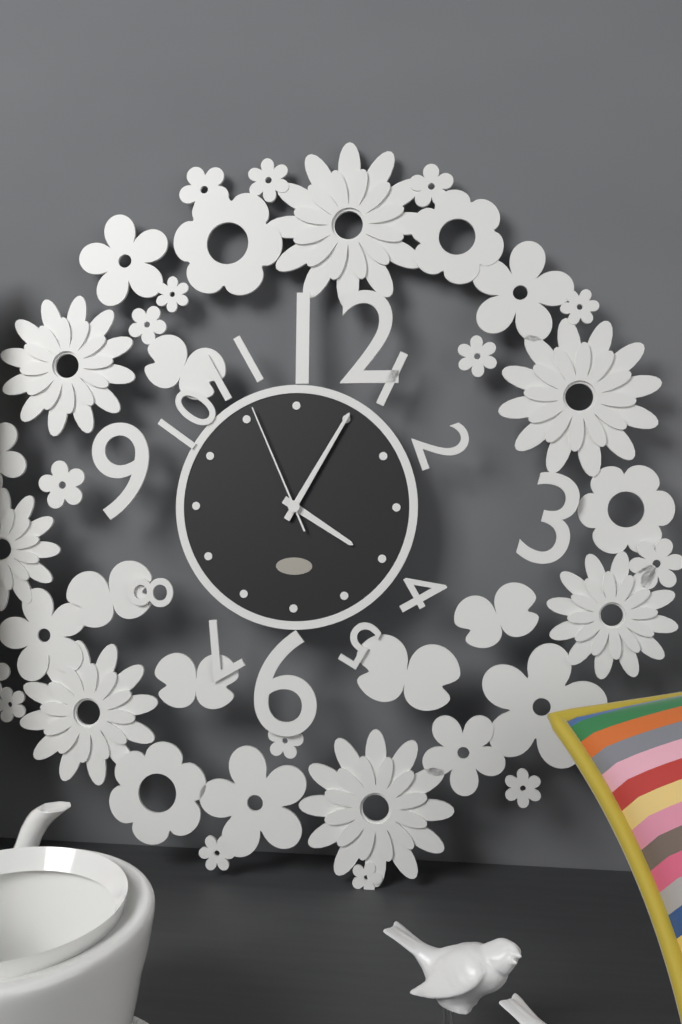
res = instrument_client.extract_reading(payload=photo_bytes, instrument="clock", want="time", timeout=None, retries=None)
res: 4:05:56
